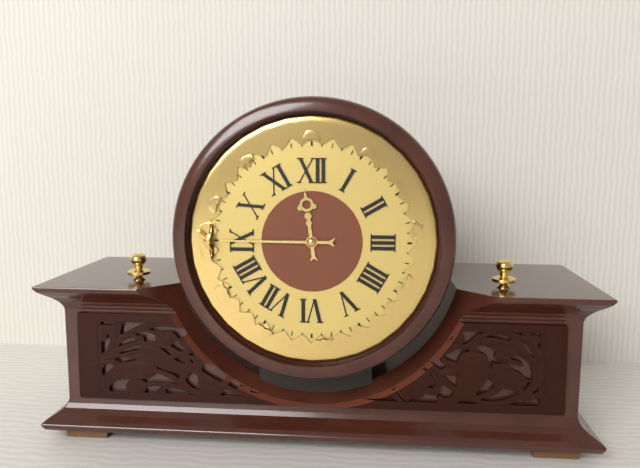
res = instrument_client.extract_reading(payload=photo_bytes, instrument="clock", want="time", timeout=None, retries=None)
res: 11:45
